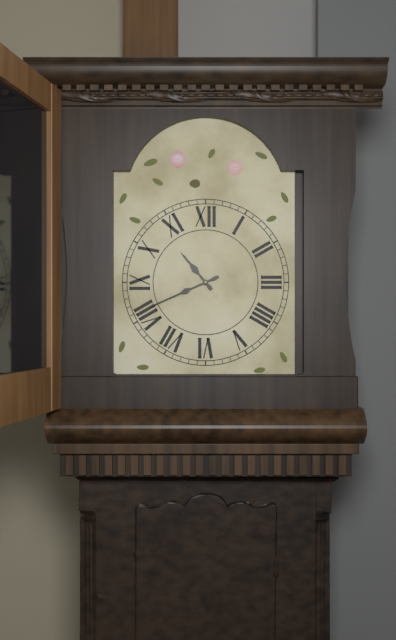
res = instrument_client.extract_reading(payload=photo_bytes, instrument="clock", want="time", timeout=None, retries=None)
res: 10:41
